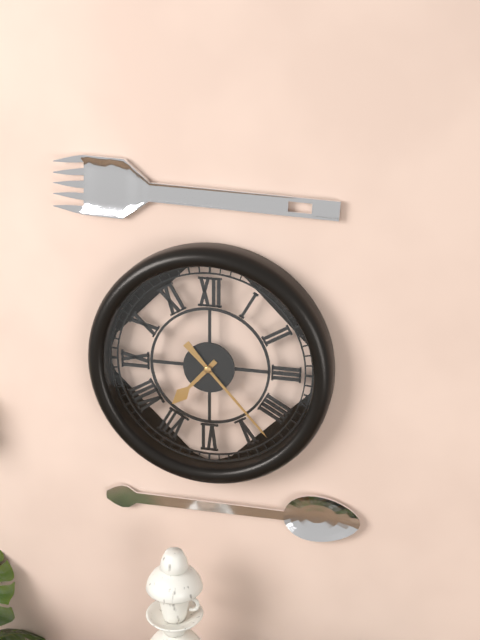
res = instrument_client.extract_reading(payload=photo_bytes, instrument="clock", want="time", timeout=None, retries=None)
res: 7:23
